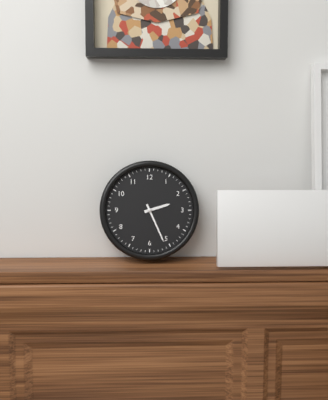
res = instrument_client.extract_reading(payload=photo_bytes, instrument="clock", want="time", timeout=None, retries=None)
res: 2:26
